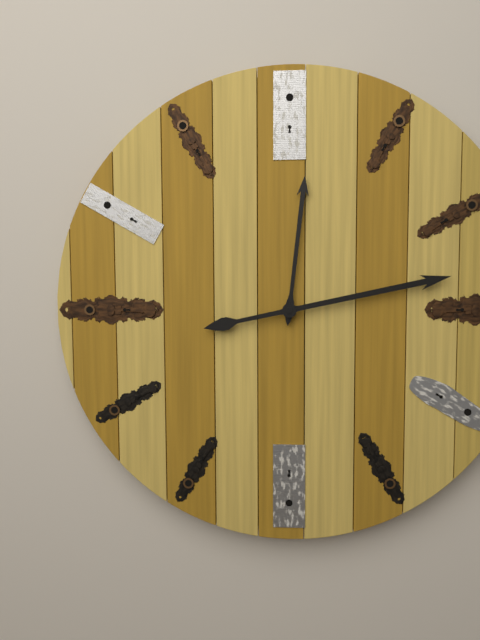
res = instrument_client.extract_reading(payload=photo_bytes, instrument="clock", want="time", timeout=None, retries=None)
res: 12:13
